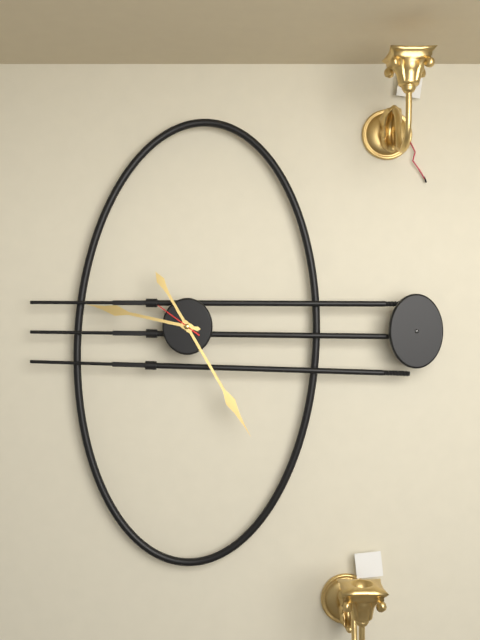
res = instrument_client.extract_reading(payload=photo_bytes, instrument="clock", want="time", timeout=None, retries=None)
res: 9:25
